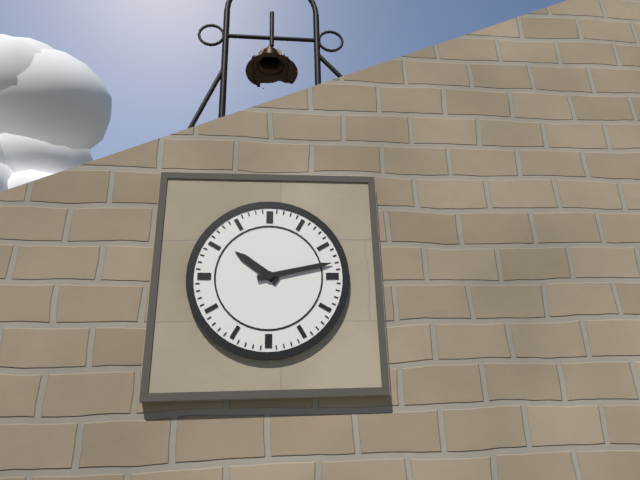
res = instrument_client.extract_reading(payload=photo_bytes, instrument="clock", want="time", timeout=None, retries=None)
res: 10:13
